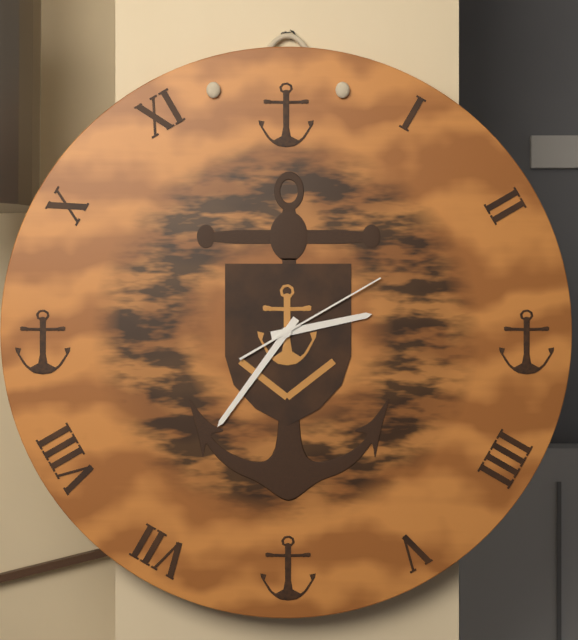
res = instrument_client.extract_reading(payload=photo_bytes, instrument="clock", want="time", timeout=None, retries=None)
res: 2:36:10
